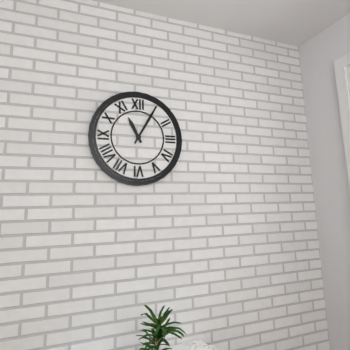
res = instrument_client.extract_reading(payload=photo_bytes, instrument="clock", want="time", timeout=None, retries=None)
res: 11:05
